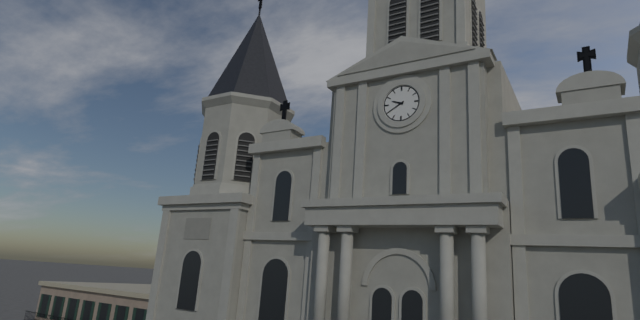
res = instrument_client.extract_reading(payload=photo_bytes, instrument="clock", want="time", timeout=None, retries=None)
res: 9:40
